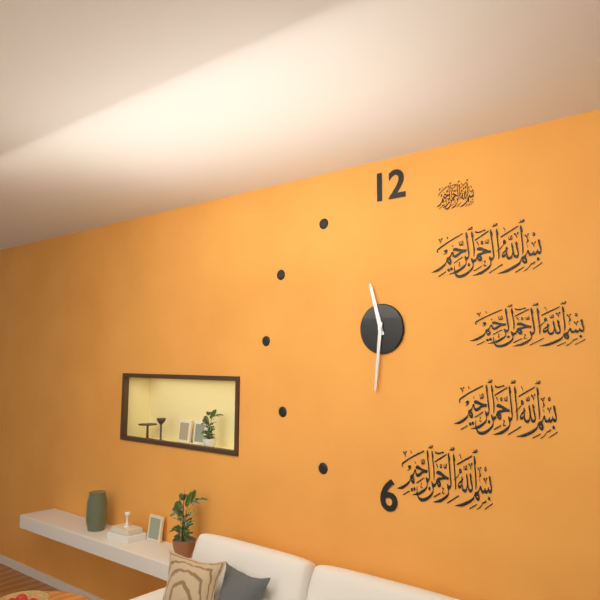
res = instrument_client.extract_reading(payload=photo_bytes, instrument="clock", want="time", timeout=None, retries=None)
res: 11:31
